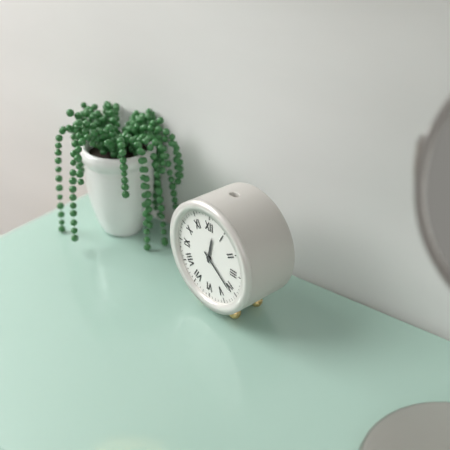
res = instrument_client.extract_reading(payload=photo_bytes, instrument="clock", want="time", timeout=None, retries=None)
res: 12:21
